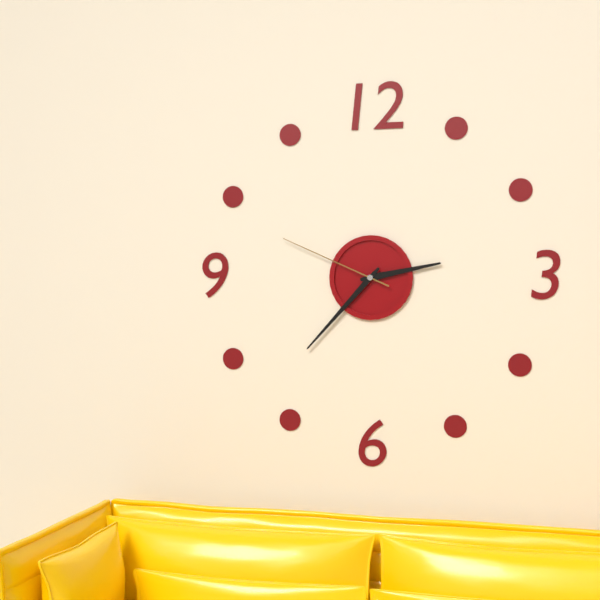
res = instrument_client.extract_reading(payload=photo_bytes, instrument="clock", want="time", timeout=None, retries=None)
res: 2:37:49
